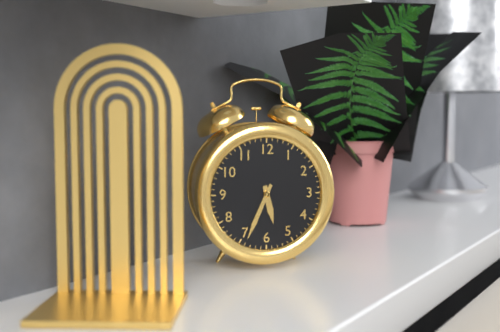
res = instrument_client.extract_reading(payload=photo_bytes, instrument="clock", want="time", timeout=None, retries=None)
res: 5:34
